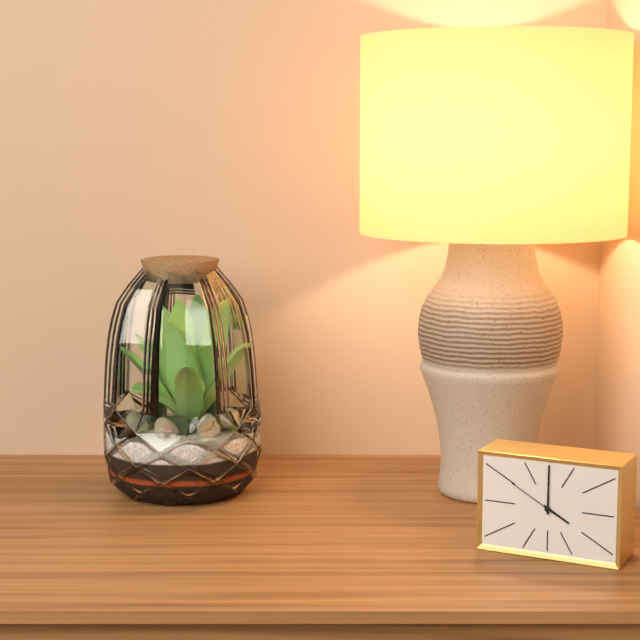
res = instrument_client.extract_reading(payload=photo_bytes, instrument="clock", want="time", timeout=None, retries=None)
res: 4:00:50
